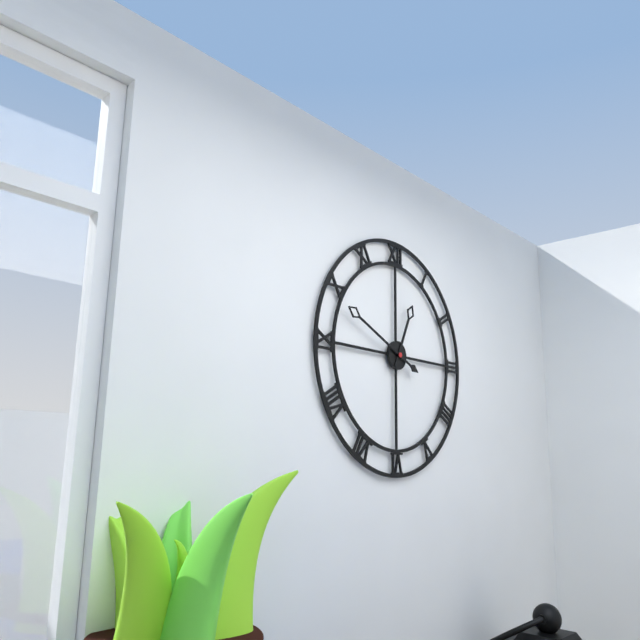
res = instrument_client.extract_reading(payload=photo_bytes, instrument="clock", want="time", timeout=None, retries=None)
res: 12:49
